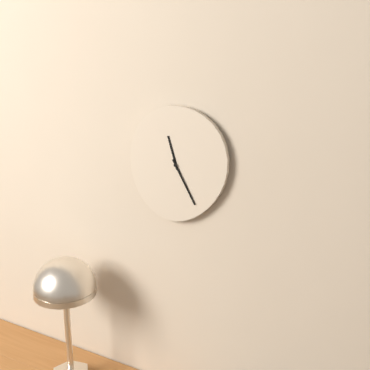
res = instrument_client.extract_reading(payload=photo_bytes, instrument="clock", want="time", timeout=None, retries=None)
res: 11:25
